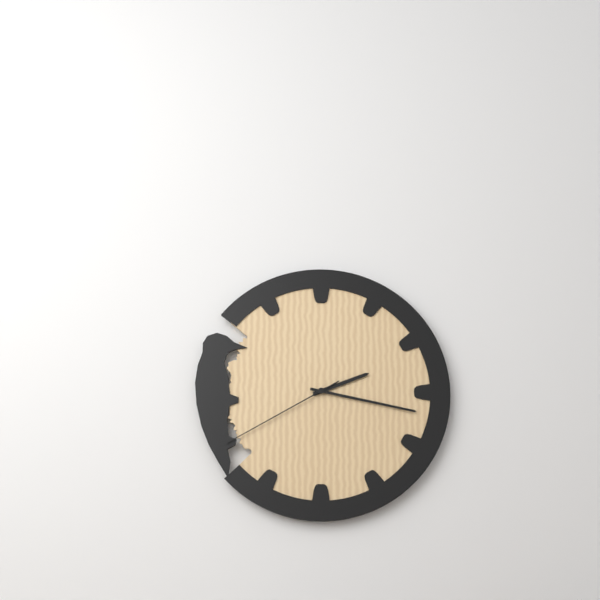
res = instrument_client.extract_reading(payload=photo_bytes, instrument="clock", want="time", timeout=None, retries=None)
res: 2:17:40
